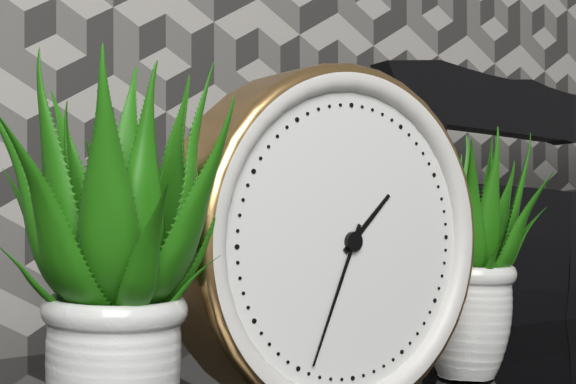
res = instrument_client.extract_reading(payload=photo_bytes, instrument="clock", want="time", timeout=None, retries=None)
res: 1:34
